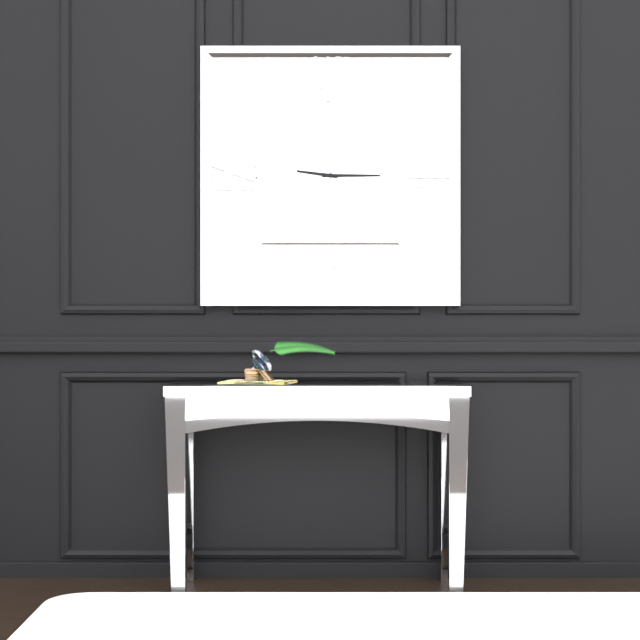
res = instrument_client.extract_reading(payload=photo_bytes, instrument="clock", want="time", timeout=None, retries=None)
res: 9:15
